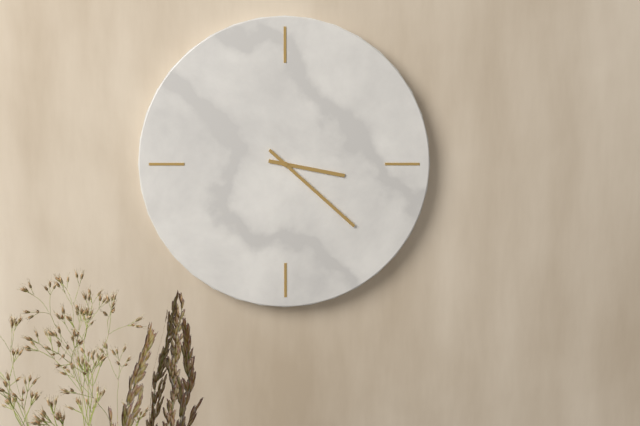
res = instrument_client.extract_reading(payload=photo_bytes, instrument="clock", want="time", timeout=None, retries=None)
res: 3:22
